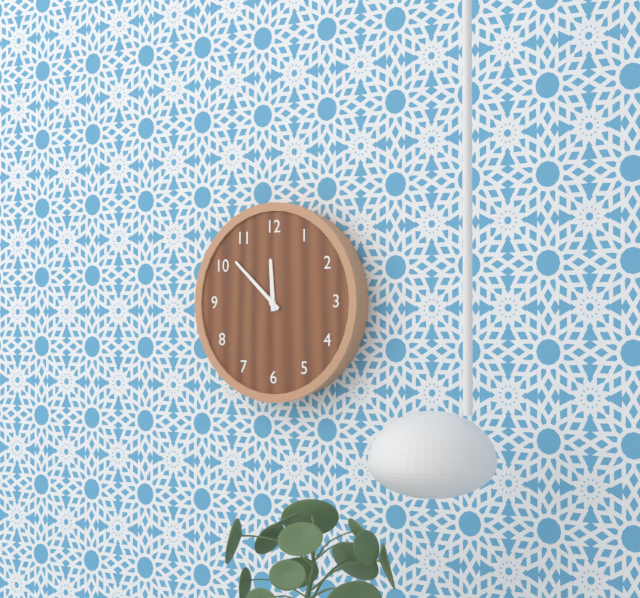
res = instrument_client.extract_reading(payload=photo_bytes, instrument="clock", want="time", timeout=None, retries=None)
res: 11:52
